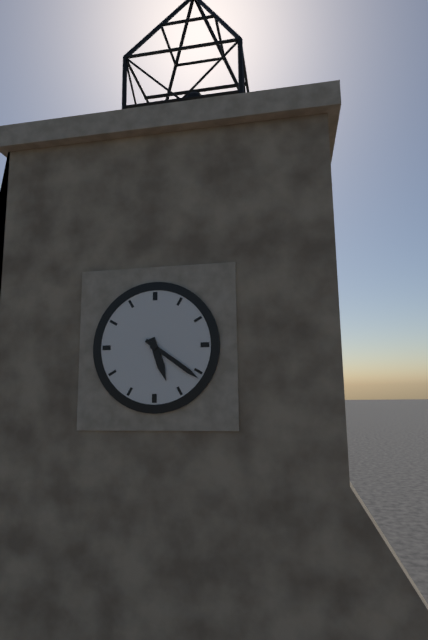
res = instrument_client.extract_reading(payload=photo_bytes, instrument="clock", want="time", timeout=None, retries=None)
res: 5:21
